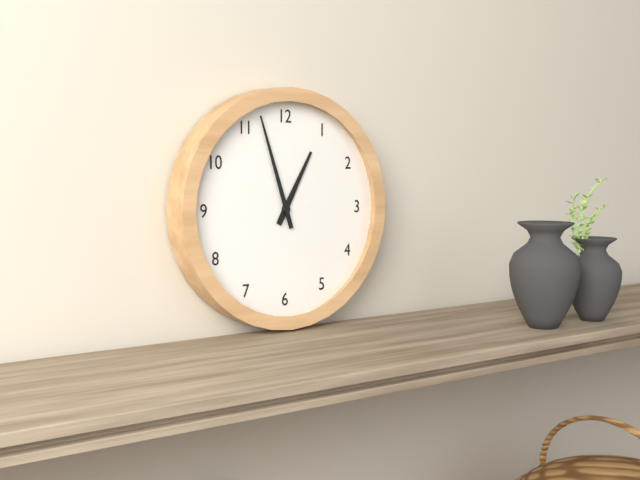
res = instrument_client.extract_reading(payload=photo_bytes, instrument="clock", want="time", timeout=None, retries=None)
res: 12:57
